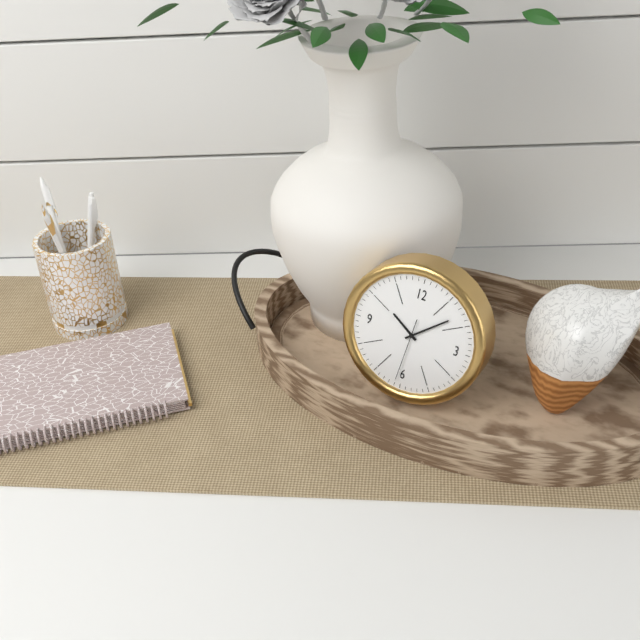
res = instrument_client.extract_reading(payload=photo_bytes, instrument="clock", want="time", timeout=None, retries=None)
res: 10:08:31
